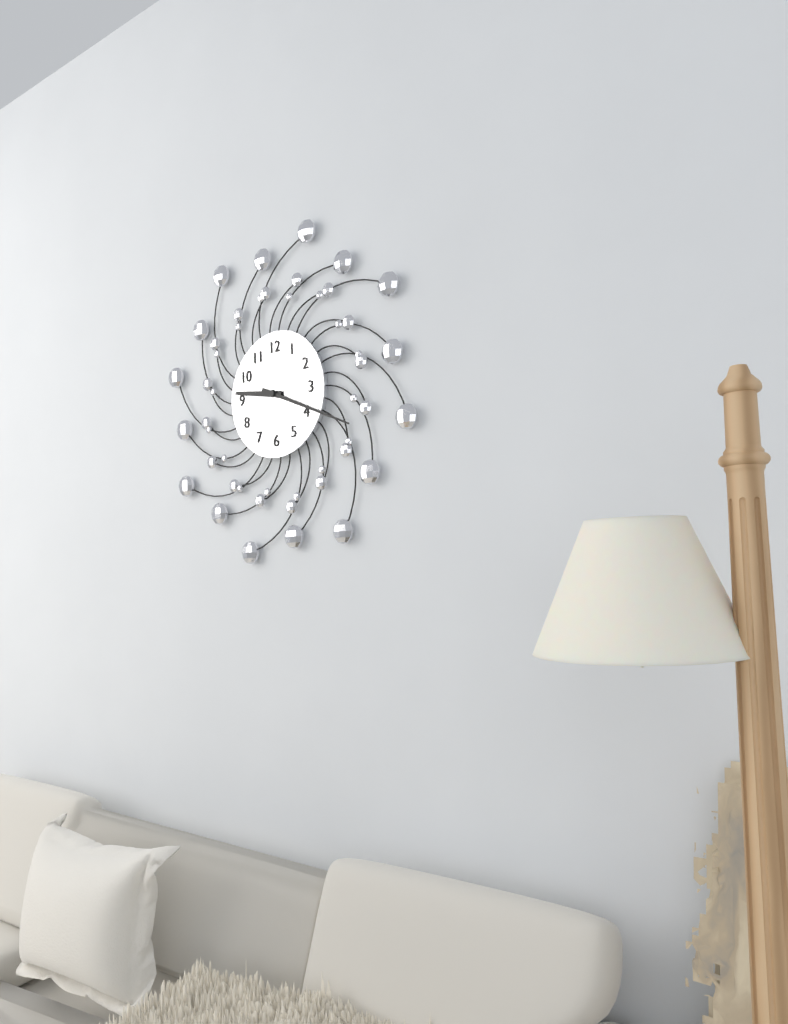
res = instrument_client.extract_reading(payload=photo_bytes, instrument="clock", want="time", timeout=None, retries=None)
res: 9:19
